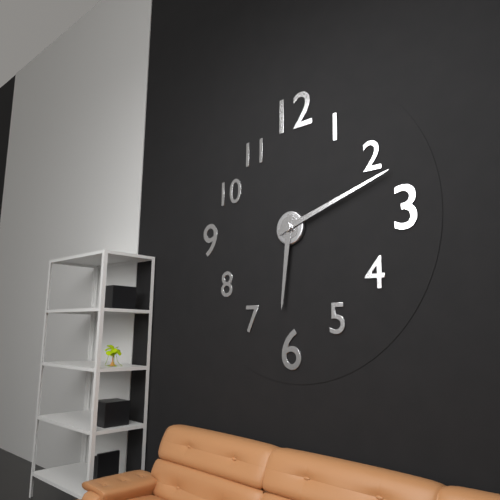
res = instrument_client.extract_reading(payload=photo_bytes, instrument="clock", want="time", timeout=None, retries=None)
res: 6:12
